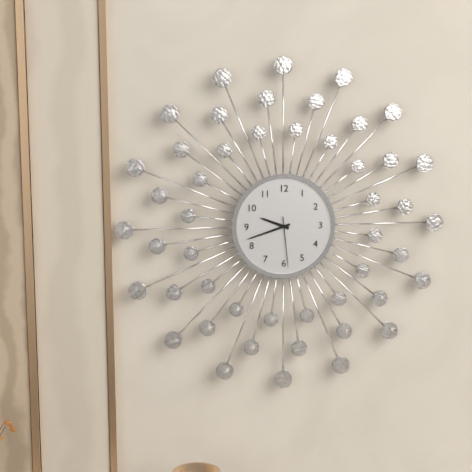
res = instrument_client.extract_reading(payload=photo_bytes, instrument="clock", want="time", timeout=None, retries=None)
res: 9:42:29
